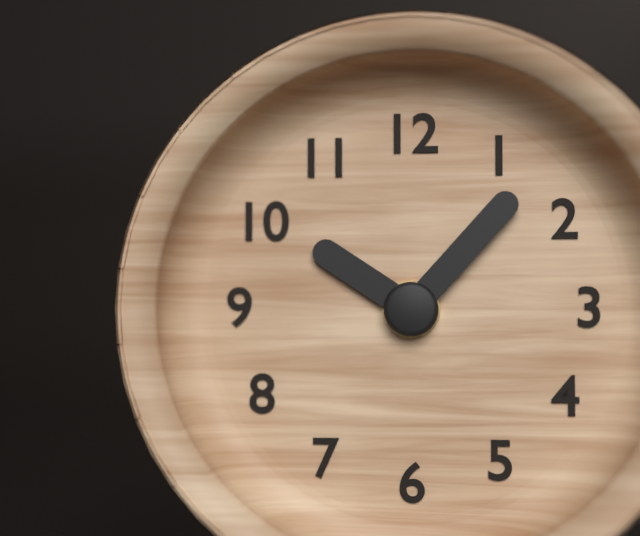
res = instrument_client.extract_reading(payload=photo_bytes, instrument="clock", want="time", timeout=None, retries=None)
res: 10:07
